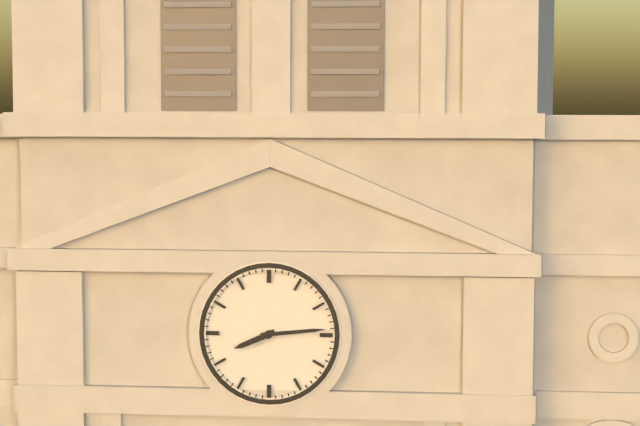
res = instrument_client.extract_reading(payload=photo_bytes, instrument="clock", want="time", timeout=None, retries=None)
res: 8:14
